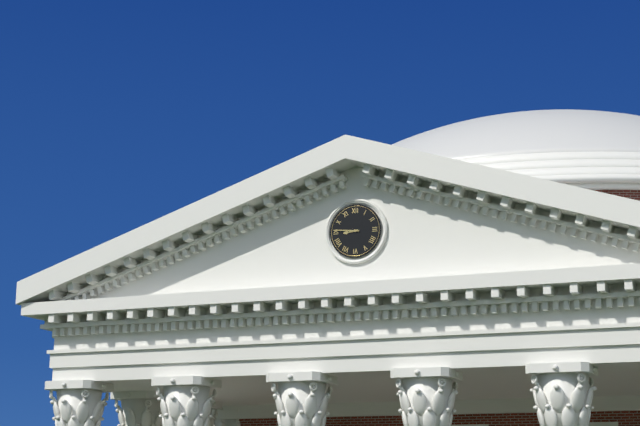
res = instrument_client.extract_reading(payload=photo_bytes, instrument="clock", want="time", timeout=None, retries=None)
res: 8:46
